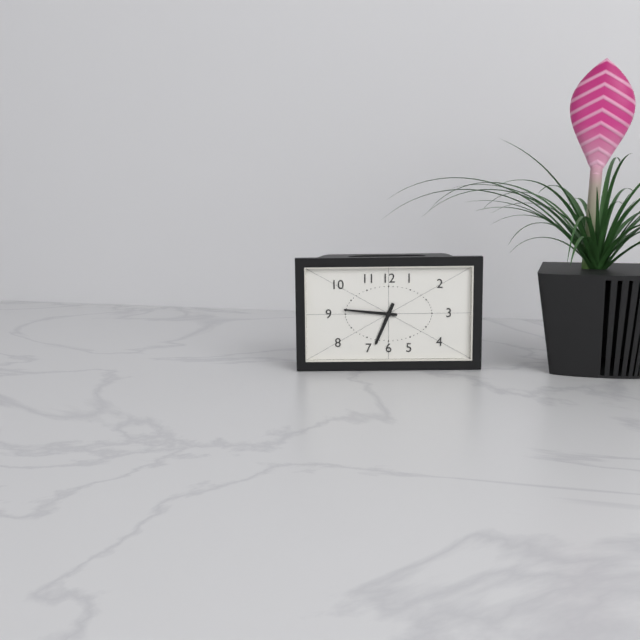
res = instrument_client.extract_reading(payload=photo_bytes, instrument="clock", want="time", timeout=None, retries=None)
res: 6:46
